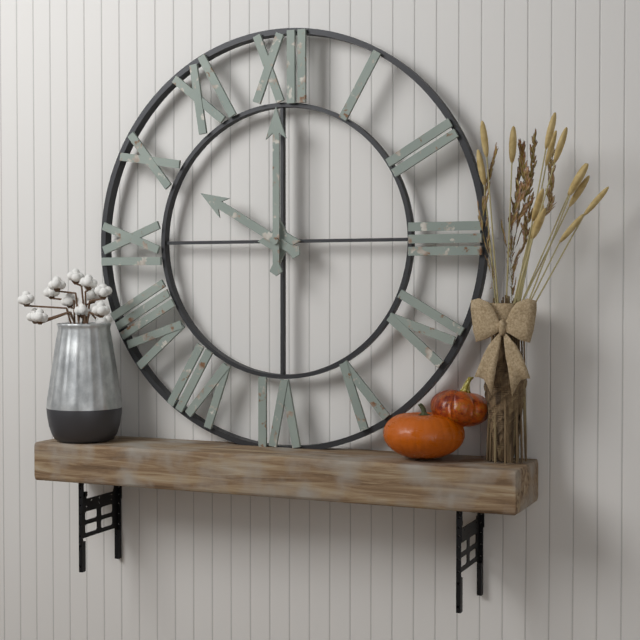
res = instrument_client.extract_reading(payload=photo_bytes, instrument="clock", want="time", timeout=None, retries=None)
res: 10:00
